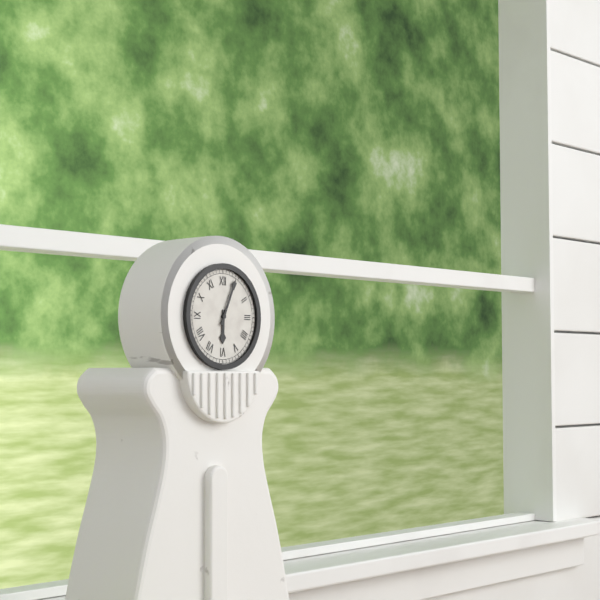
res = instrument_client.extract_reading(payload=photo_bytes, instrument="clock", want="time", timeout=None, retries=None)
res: 6:04
